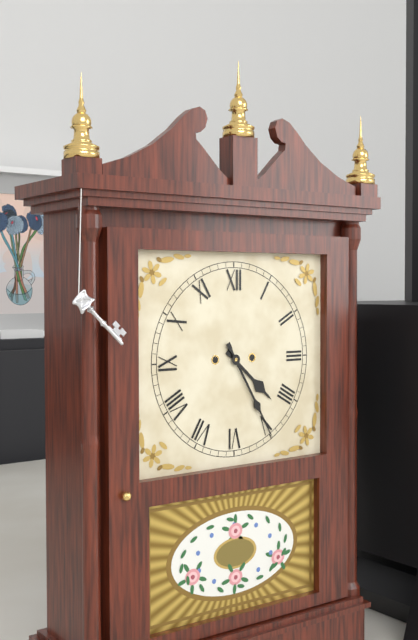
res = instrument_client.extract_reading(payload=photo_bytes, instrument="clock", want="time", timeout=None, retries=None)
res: 4:25
